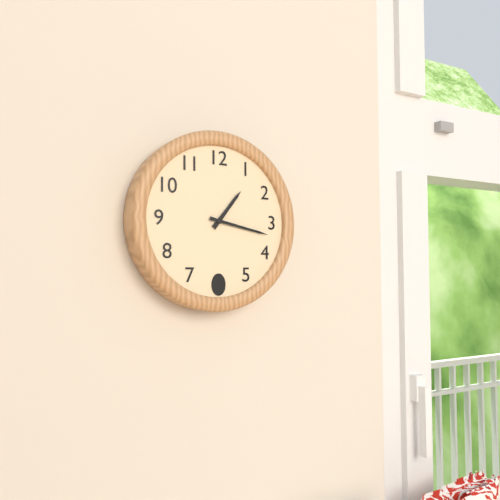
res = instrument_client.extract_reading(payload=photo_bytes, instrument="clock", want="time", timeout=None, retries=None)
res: 1:17
